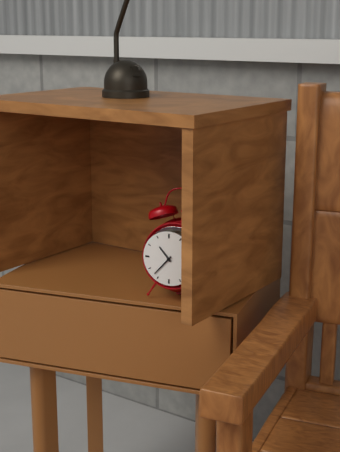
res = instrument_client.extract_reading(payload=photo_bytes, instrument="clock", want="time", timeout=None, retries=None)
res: 10:37
